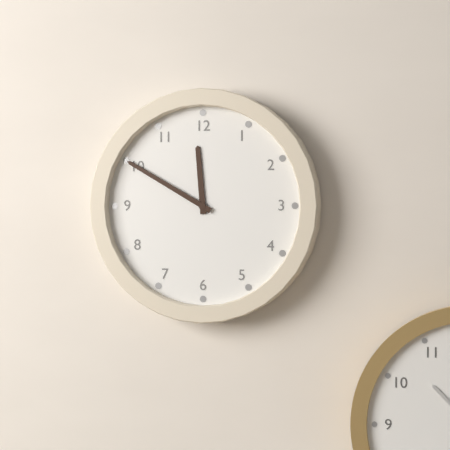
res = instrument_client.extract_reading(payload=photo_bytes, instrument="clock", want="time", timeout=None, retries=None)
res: 11:50
